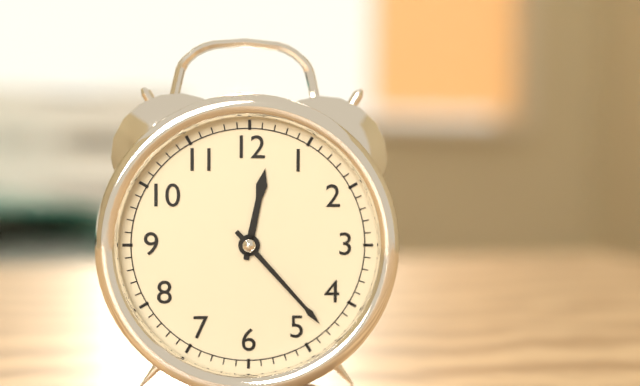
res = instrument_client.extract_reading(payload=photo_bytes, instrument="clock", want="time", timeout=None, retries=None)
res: 12:23
